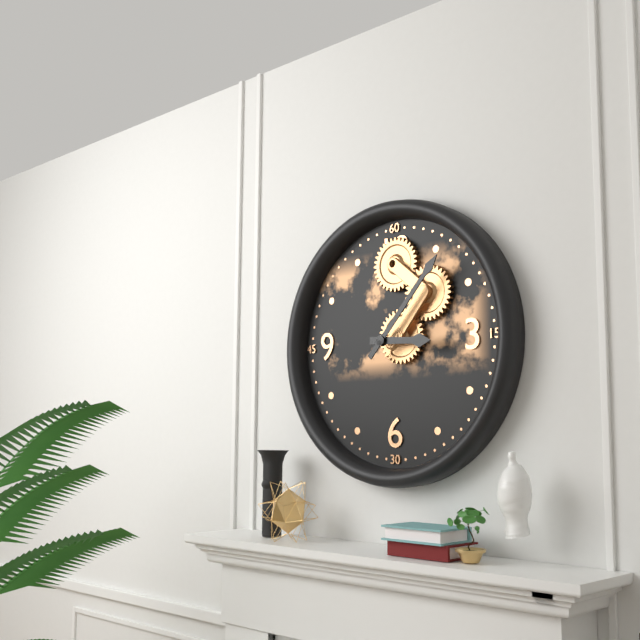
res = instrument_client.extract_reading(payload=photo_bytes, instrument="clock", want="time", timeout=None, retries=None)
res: 3:07
